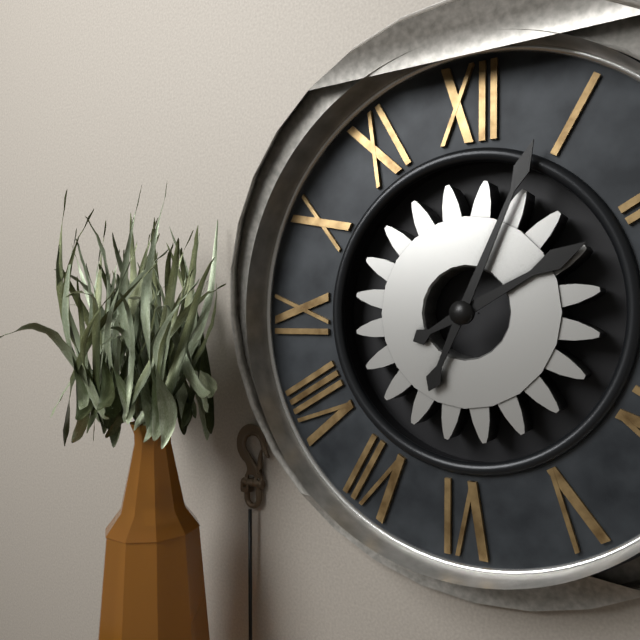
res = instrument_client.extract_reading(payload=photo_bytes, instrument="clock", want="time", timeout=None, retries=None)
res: 2:04
